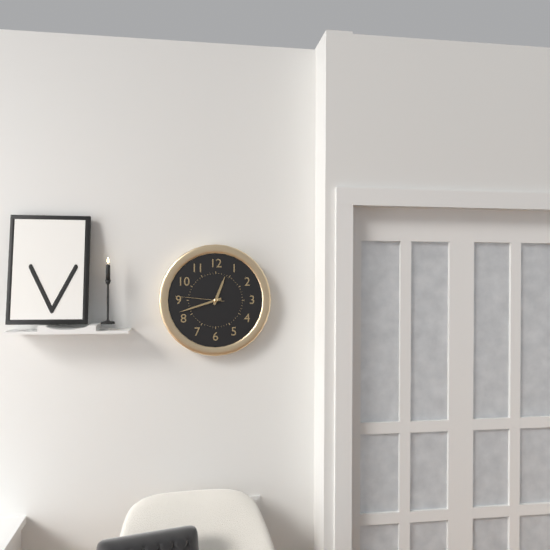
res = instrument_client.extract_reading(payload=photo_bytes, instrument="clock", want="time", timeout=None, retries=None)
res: 12:42:46
